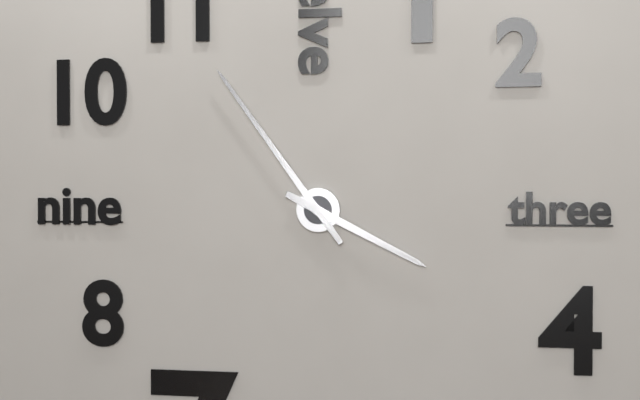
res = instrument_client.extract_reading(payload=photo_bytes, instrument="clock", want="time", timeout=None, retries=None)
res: 3:54
